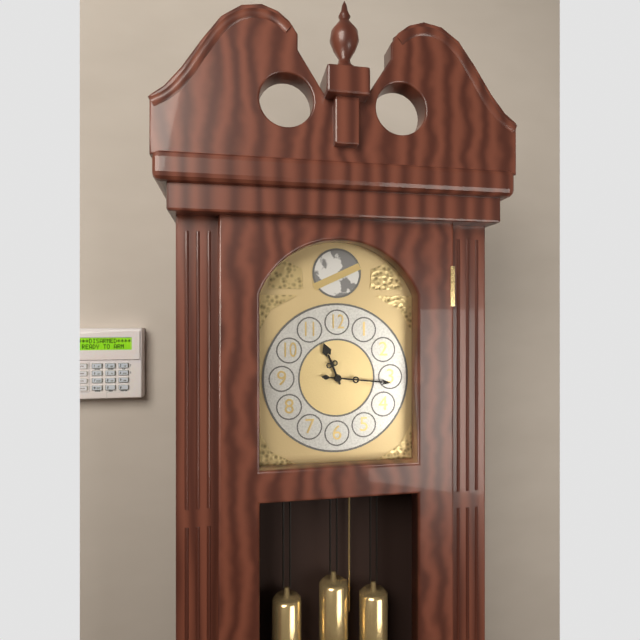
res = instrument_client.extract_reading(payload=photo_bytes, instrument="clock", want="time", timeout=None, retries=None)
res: 11:16
